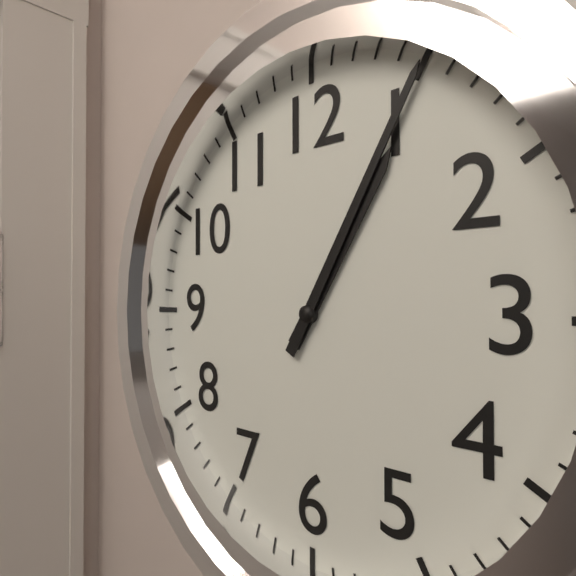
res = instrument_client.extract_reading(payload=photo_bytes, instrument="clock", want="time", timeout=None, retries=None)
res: 1:05
